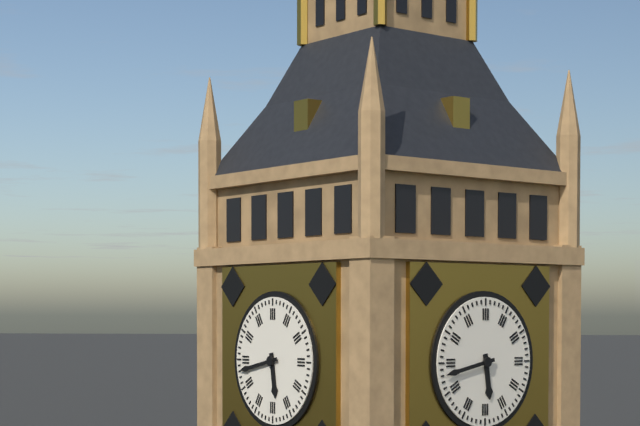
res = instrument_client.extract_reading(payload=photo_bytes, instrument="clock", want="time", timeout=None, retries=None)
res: 5:43
